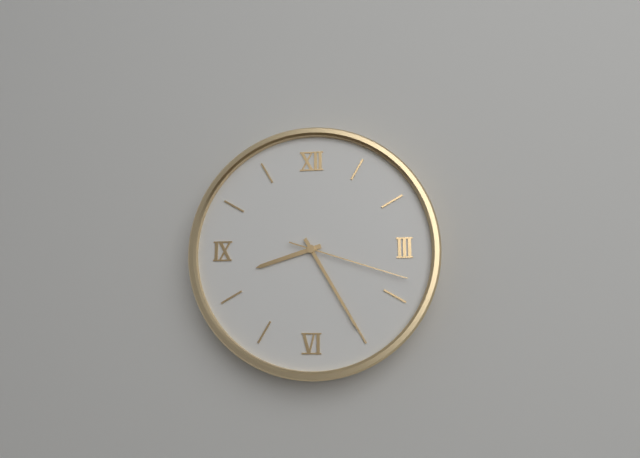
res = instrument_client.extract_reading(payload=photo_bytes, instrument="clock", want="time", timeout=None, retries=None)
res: 8:25:18
